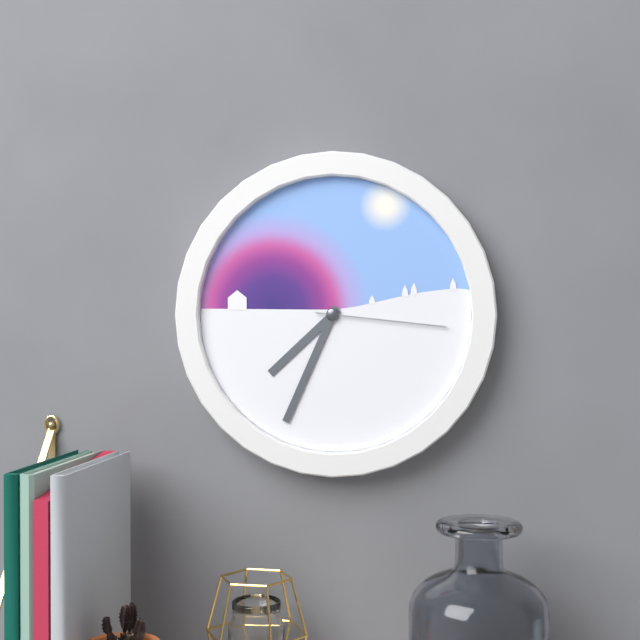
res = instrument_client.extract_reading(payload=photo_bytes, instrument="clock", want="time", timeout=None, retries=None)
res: 7:34:16
